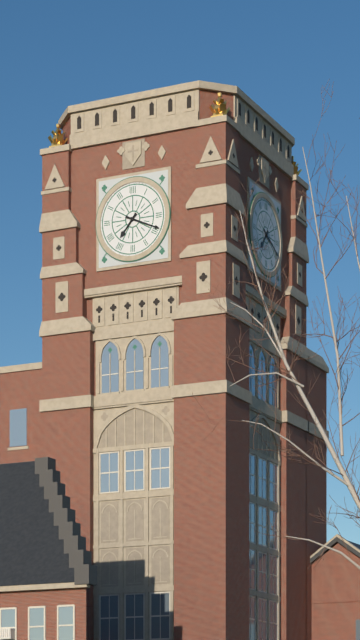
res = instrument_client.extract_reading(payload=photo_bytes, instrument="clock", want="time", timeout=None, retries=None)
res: 7:19
